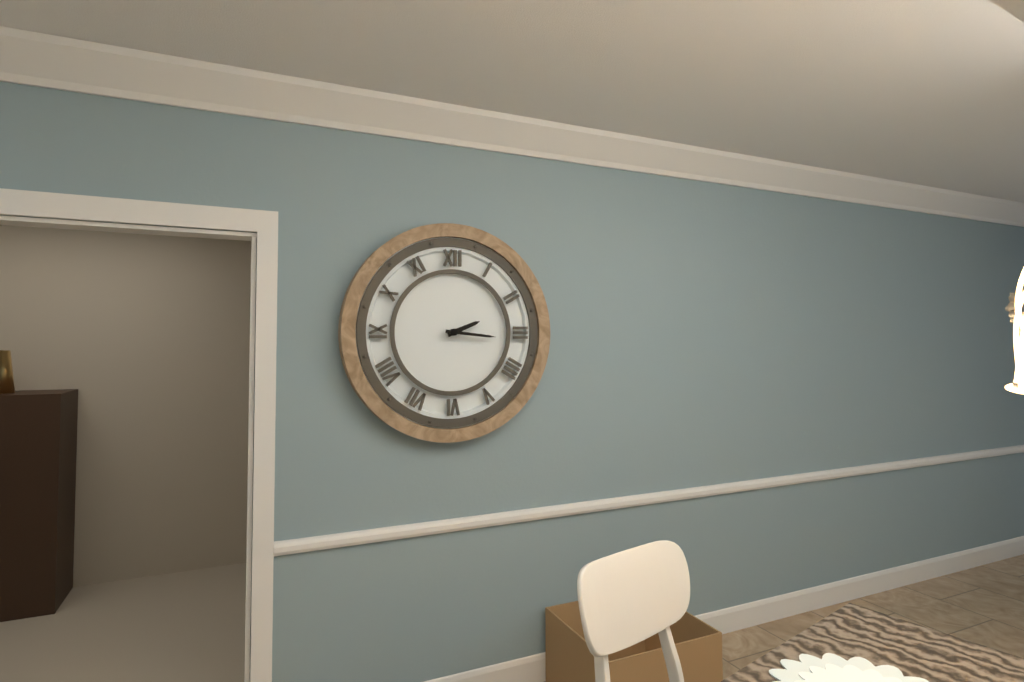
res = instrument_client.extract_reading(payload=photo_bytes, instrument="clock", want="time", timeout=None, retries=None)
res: 2:16
